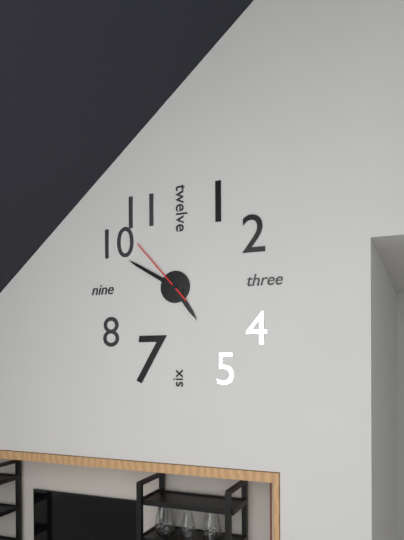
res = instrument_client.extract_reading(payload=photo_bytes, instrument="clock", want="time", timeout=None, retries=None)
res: 4:50:53
